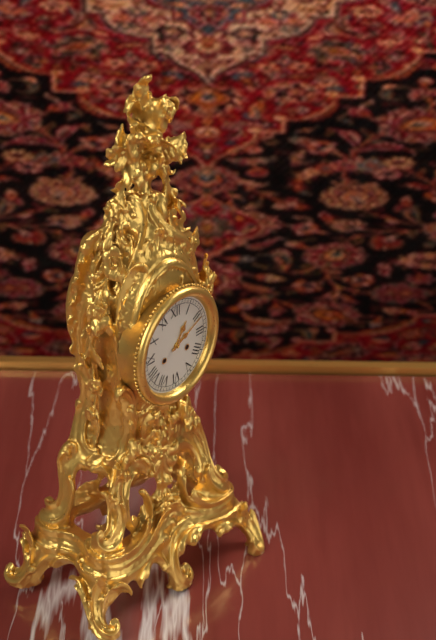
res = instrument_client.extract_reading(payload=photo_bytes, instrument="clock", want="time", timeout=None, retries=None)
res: 1:11
